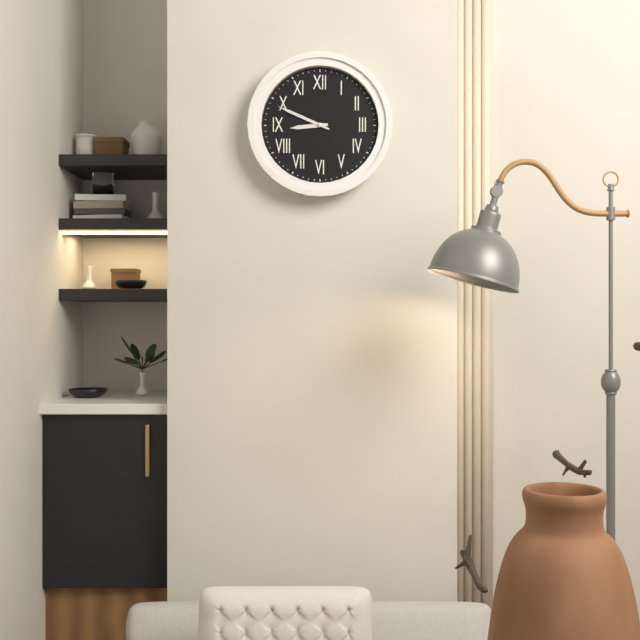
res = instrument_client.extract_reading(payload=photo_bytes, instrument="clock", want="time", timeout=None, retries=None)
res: 8:49
